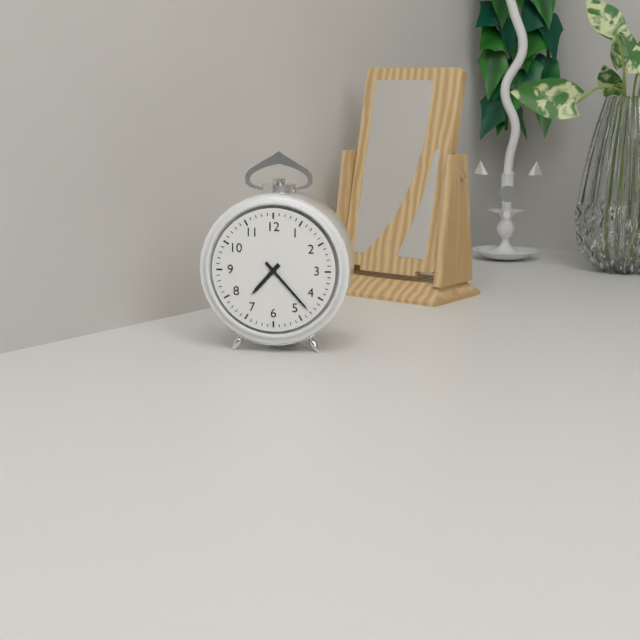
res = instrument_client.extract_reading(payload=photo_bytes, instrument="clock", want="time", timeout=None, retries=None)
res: 7:23
